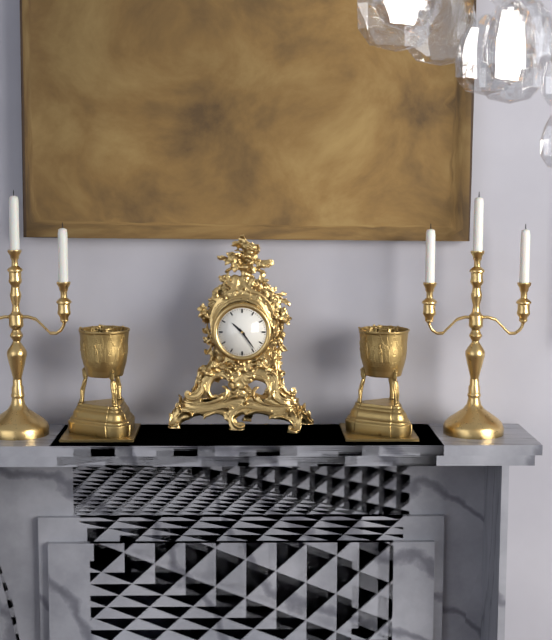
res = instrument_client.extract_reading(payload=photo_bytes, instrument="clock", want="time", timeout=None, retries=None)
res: 10:24
